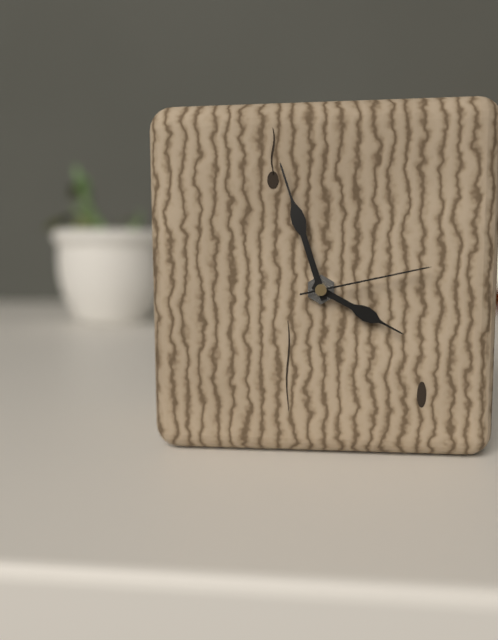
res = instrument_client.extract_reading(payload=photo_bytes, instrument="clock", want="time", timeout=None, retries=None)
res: 3:57:13
